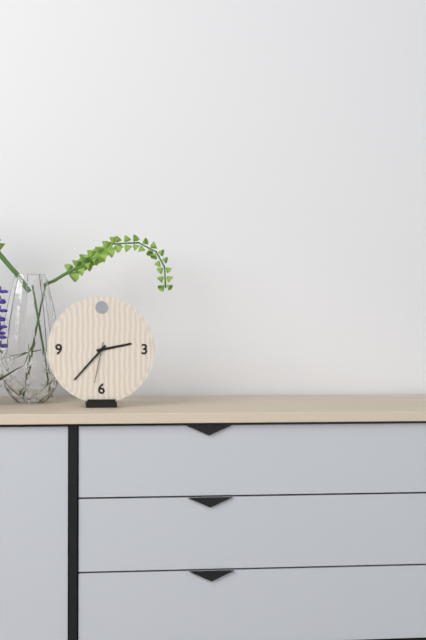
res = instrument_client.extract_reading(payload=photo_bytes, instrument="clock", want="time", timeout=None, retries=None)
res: 2:37
